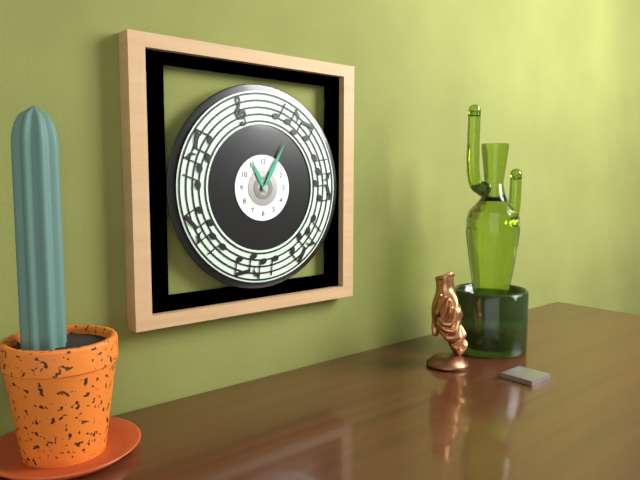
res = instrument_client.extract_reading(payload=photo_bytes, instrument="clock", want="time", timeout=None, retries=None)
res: 11:05
